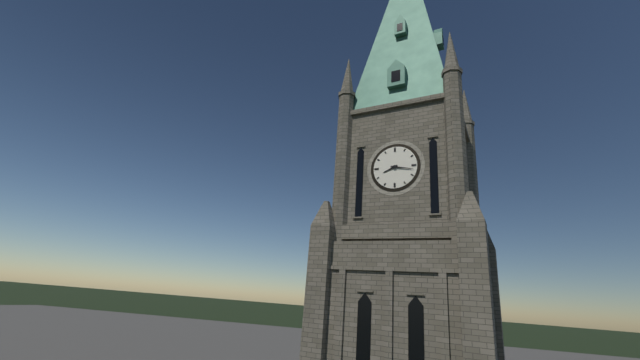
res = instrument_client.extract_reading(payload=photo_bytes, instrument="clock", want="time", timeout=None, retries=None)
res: 8:17
